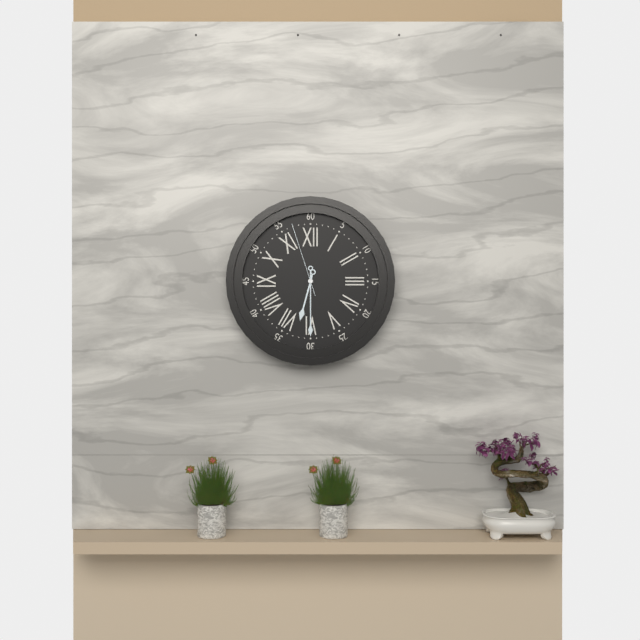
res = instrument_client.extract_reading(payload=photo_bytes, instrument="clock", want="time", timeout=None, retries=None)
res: 6:30:57
